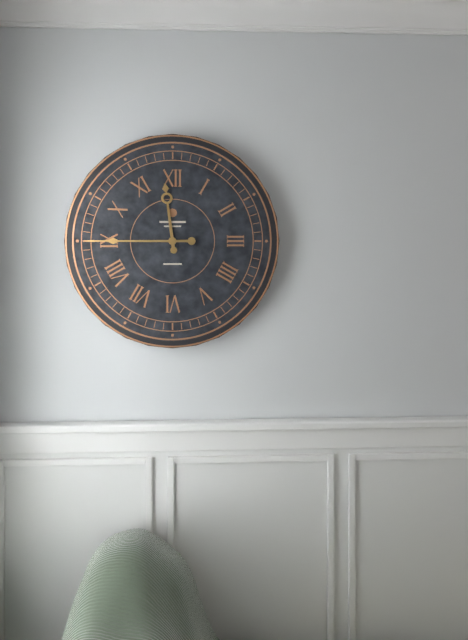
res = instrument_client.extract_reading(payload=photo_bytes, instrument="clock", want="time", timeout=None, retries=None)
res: 11:45
